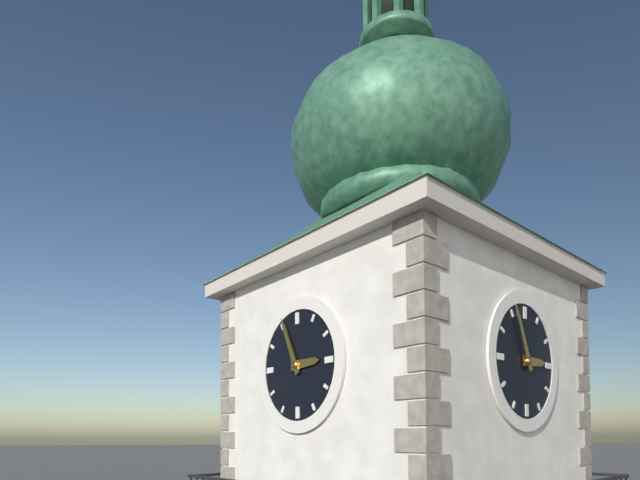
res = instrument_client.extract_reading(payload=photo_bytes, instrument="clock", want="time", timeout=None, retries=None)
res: 2:56
